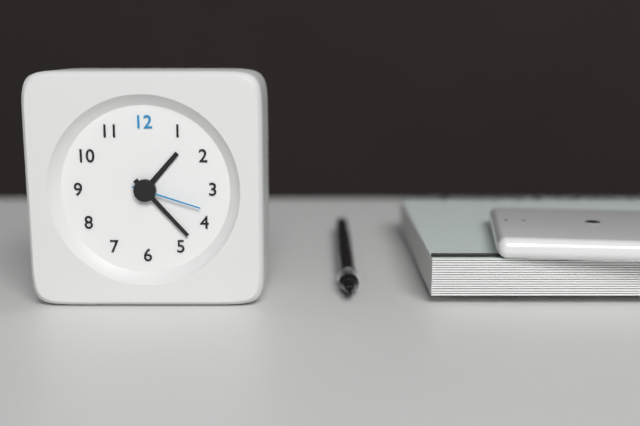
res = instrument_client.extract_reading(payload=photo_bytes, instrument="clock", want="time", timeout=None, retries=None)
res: 1:23:18
